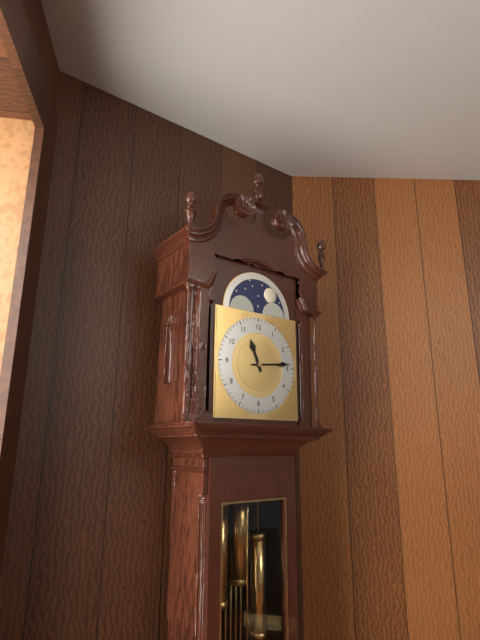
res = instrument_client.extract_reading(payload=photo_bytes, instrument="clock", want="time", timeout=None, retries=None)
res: 11:14
